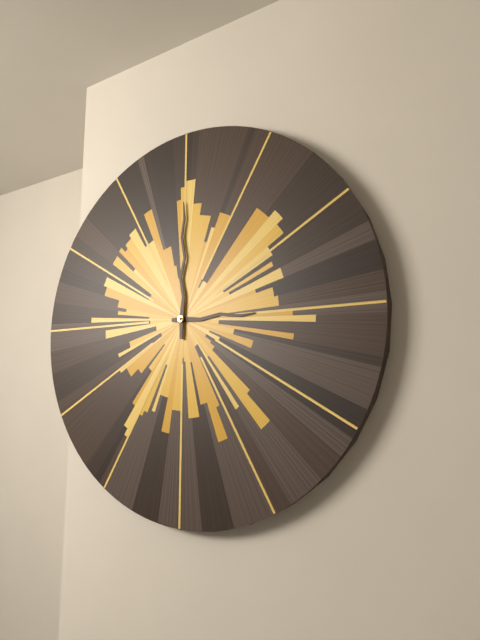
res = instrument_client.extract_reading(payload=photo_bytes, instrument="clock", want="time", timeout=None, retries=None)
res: 3:00
